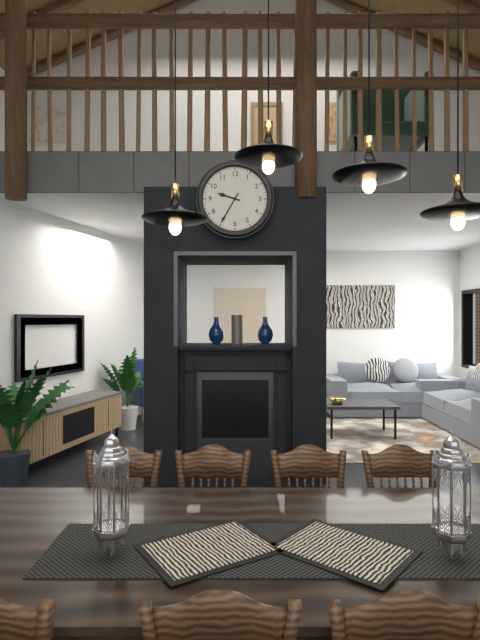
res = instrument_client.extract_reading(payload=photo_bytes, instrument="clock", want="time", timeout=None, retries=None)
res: 9:35
